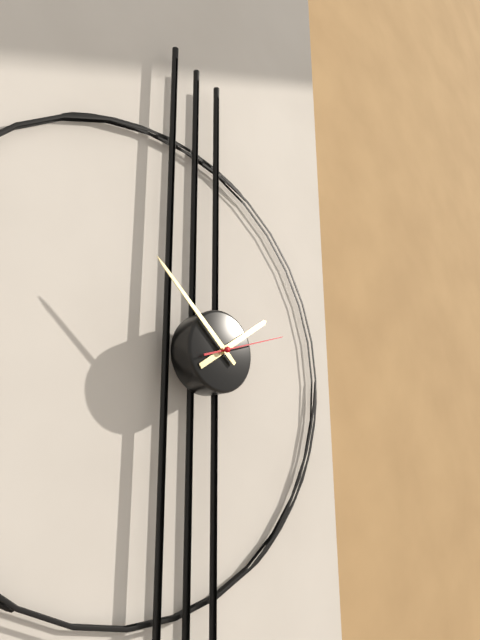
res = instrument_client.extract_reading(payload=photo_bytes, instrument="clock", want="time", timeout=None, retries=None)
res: 1:52:12
